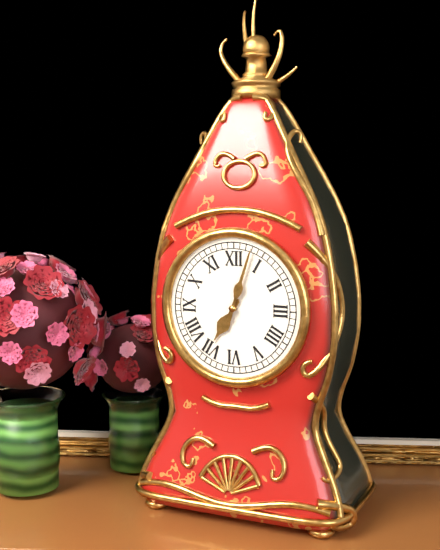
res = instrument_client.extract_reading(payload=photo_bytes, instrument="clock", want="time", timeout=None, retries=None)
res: 7:03
